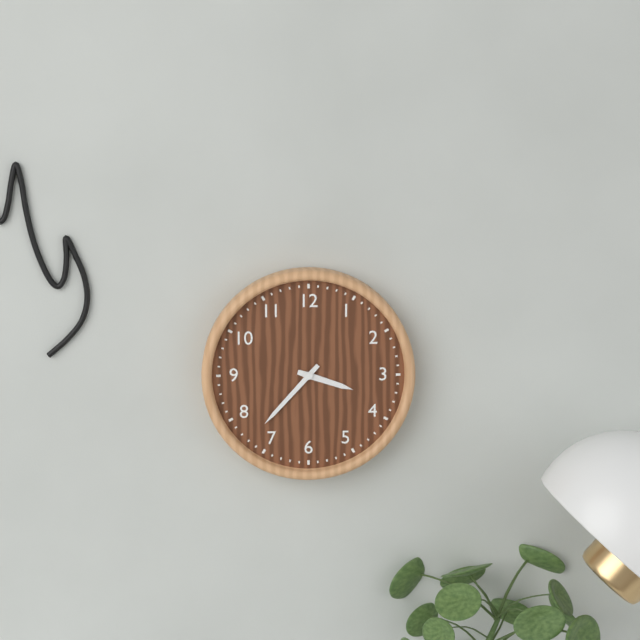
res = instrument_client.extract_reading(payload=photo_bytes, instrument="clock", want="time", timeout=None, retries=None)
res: 3:37
